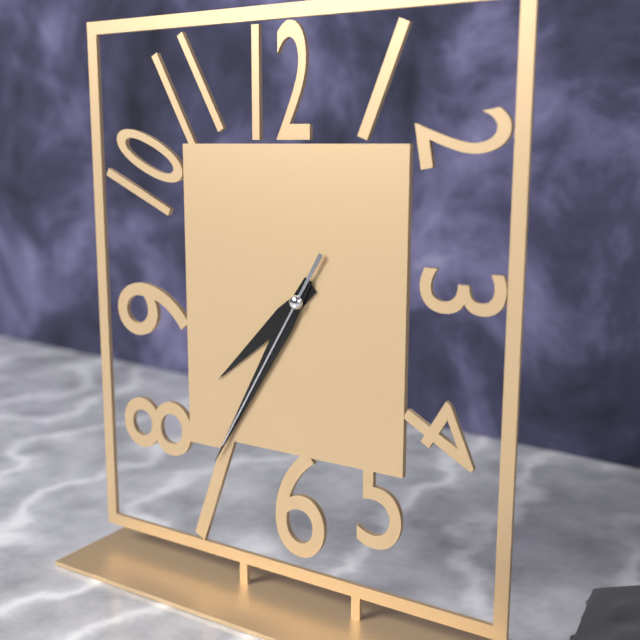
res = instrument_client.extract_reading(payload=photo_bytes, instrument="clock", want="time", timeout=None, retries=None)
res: 7:35:35
